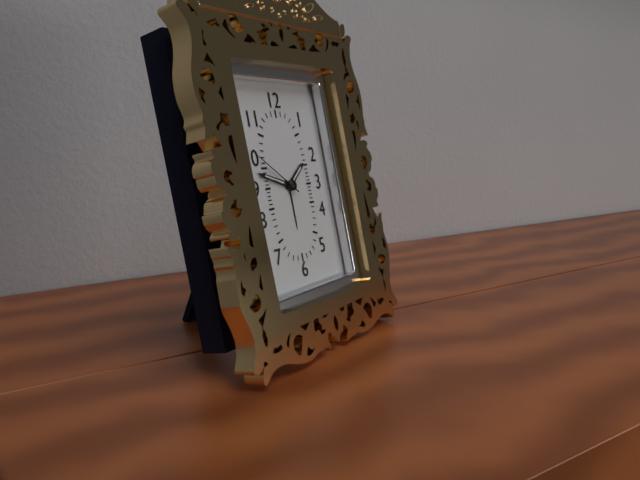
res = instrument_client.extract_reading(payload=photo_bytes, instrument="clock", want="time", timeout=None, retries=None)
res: 1:48:51
